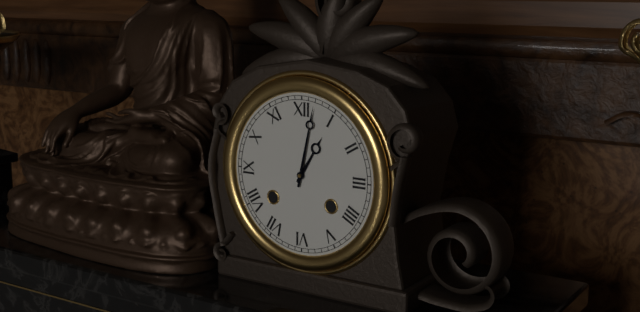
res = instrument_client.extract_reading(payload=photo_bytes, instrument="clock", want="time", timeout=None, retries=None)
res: 1:02
